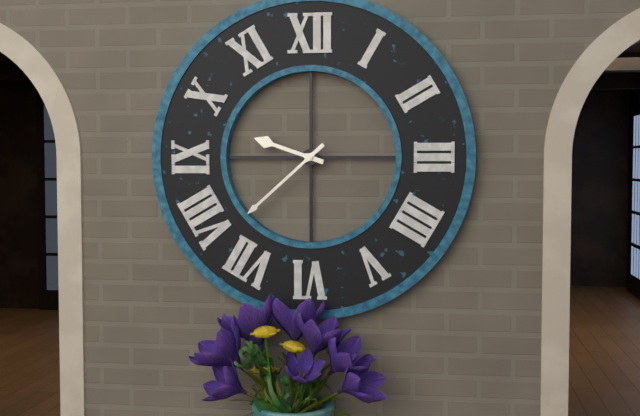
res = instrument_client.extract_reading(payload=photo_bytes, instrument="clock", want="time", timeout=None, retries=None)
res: 9:38
